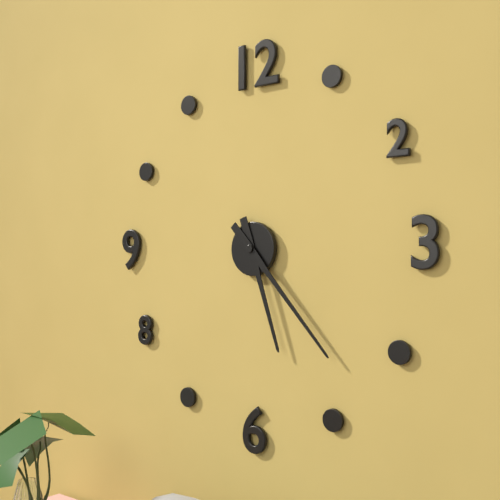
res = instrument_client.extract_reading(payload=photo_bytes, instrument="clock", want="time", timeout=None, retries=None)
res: 5:23
